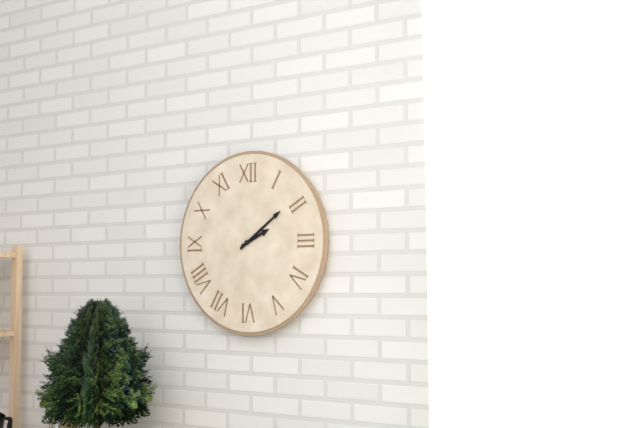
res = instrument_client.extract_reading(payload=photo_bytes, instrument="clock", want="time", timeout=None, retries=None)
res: 2:09
